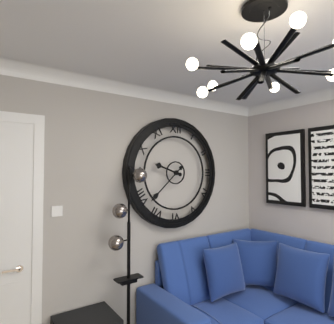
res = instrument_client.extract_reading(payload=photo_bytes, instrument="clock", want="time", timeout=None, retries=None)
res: 9:38
